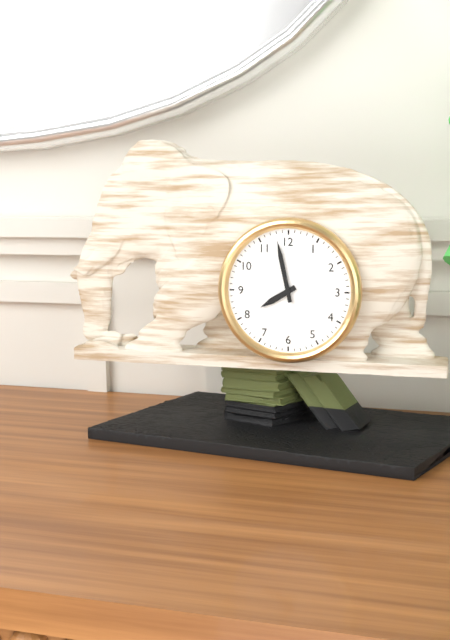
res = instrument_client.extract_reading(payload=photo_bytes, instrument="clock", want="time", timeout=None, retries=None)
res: 7:58
